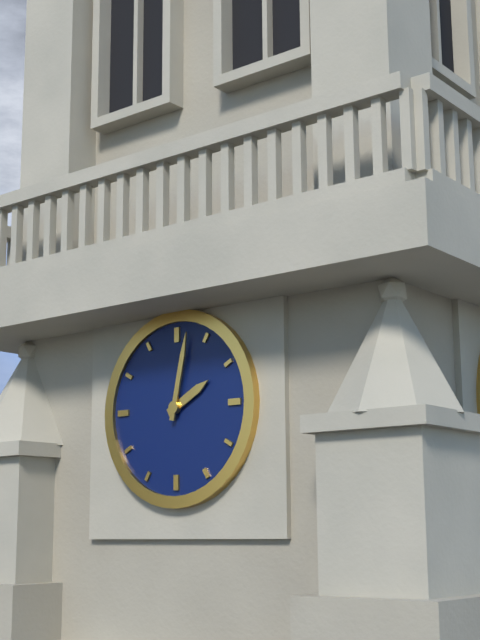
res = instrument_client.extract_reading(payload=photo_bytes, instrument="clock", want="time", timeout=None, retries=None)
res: 2:02
